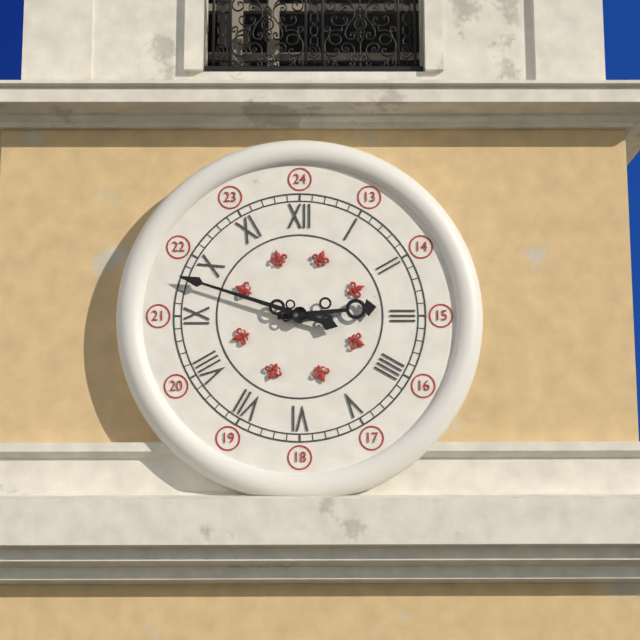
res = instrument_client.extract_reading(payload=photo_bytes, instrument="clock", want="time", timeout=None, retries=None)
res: 2:48
